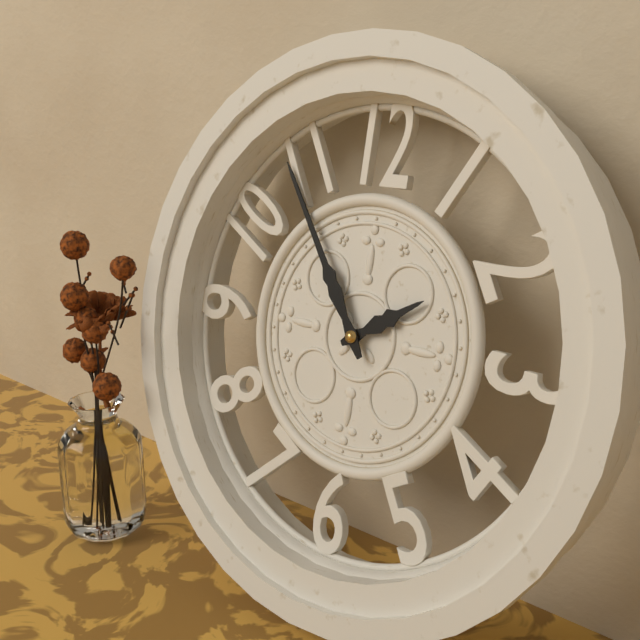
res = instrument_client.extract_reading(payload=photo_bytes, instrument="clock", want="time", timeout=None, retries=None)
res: 1:54
